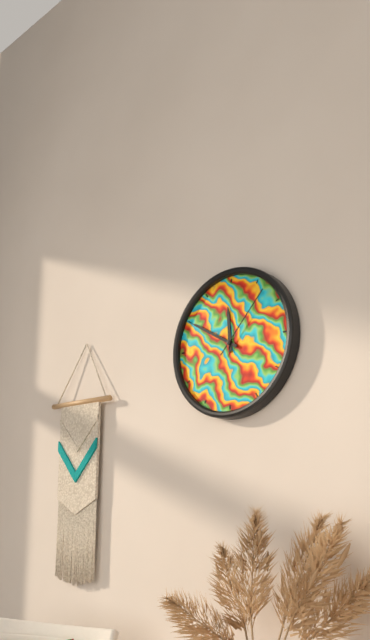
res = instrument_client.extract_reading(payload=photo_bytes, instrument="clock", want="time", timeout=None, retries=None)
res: 11:50:07
